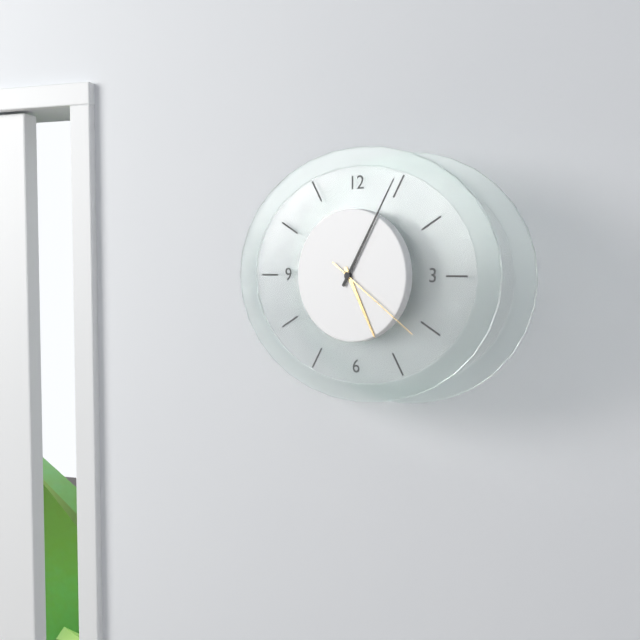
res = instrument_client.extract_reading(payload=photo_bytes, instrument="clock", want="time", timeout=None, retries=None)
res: 5:05:21
